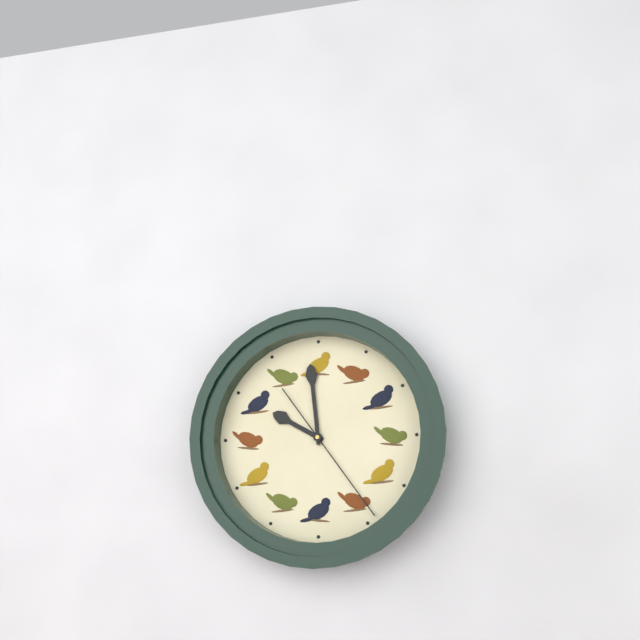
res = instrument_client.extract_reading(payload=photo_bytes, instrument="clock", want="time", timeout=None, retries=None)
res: 9:59:24
